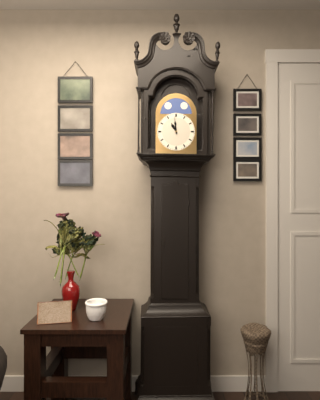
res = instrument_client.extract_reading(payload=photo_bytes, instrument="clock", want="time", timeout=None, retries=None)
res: 10:59
